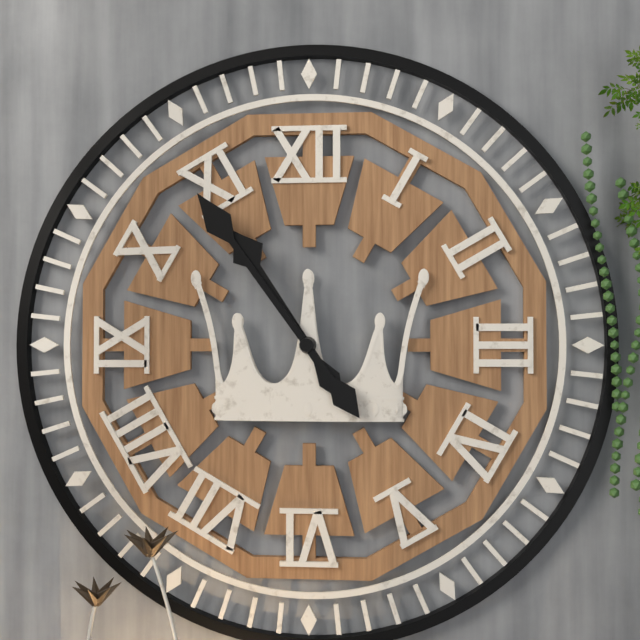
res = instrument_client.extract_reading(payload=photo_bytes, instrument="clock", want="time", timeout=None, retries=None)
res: 10:54
